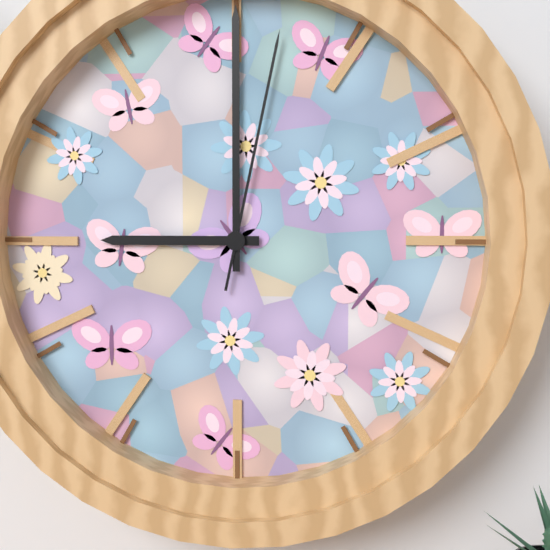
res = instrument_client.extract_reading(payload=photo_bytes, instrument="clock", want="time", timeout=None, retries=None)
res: 9:00:02
